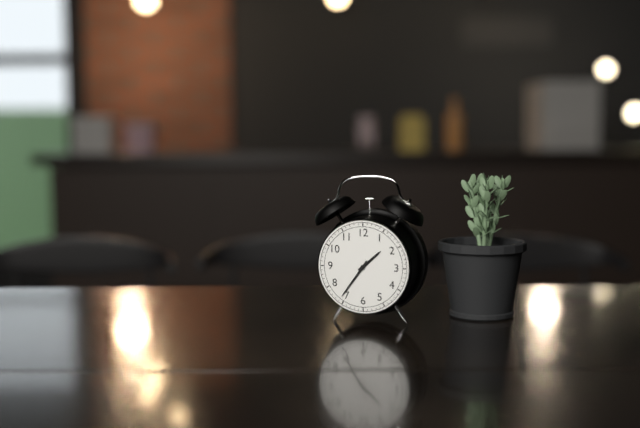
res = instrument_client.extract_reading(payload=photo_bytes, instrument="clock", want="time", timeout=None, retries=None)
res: 1:36
